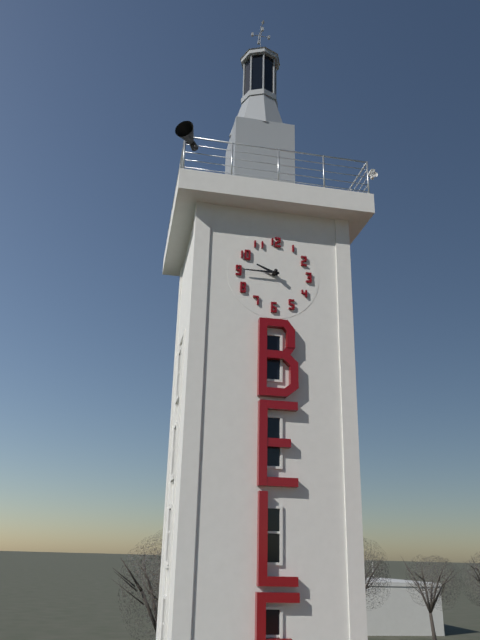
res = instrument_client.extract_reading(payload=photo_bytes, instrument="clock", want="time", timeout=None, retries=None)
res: 9:45
